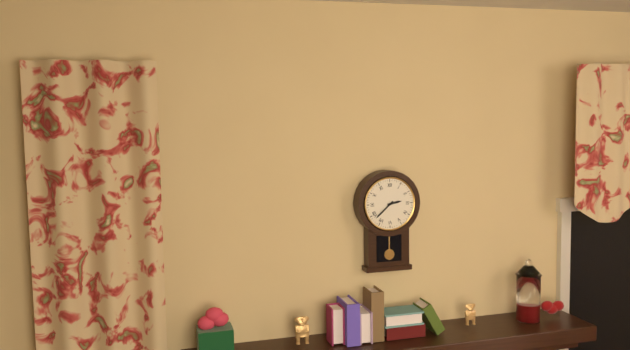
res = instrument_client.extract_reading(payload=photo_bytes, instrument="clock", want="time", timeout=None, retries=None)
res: 2:38
